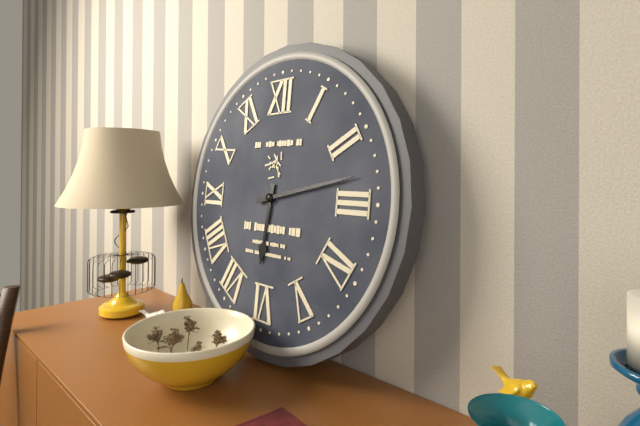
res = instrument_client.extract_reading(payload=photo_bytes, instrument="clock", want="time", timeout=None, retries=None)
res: 6:13
